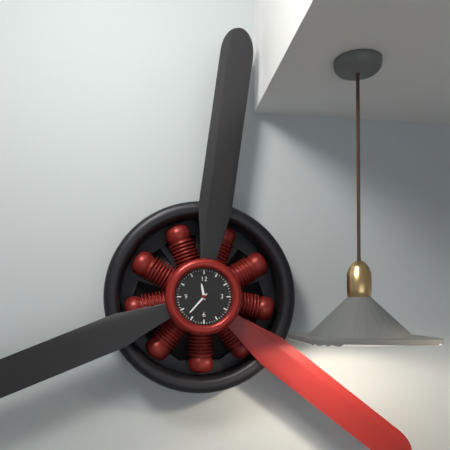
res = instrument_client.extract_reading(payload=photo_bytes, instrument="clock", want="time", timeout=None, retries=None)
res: 11:37
